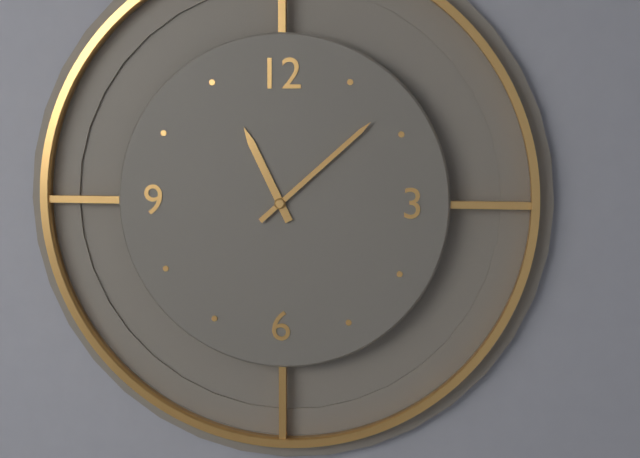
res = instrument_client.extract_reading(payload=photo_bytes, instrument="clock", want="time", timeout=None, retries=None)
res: 11:08
